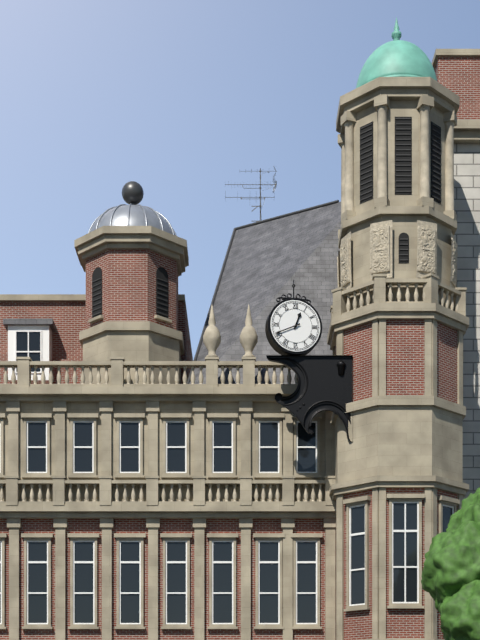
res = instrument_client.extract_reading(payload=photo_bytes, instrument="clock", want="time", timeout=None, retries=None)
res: 12:41
